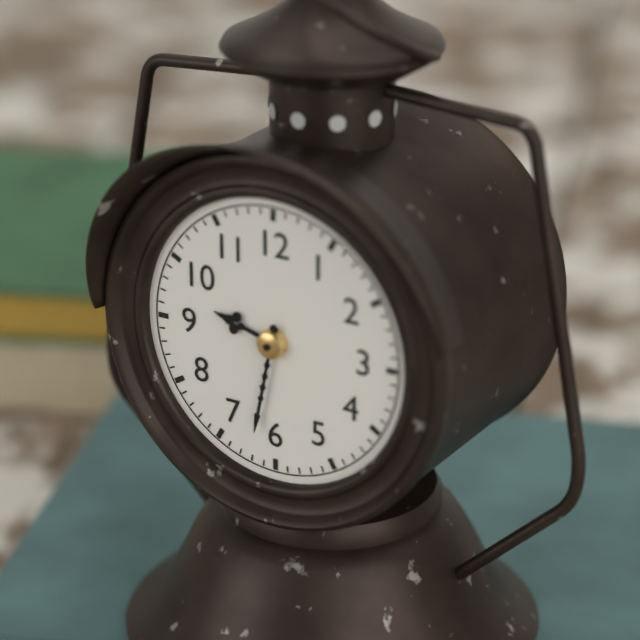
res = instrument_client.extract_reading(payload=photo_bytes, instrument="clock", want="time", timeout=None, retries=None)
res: 9:32
